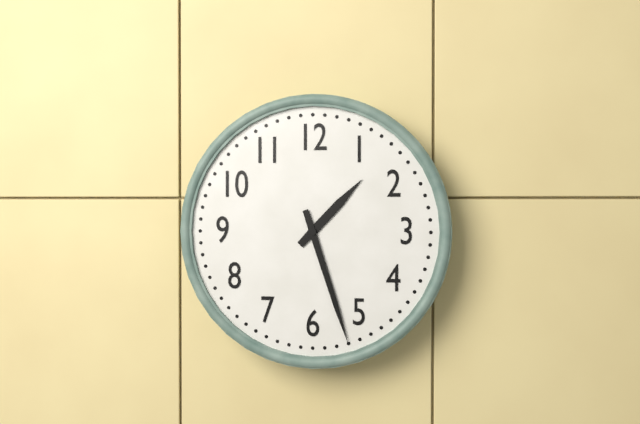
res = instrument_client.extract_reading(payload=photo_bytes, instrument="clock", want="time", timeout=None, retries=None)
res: 1:27
